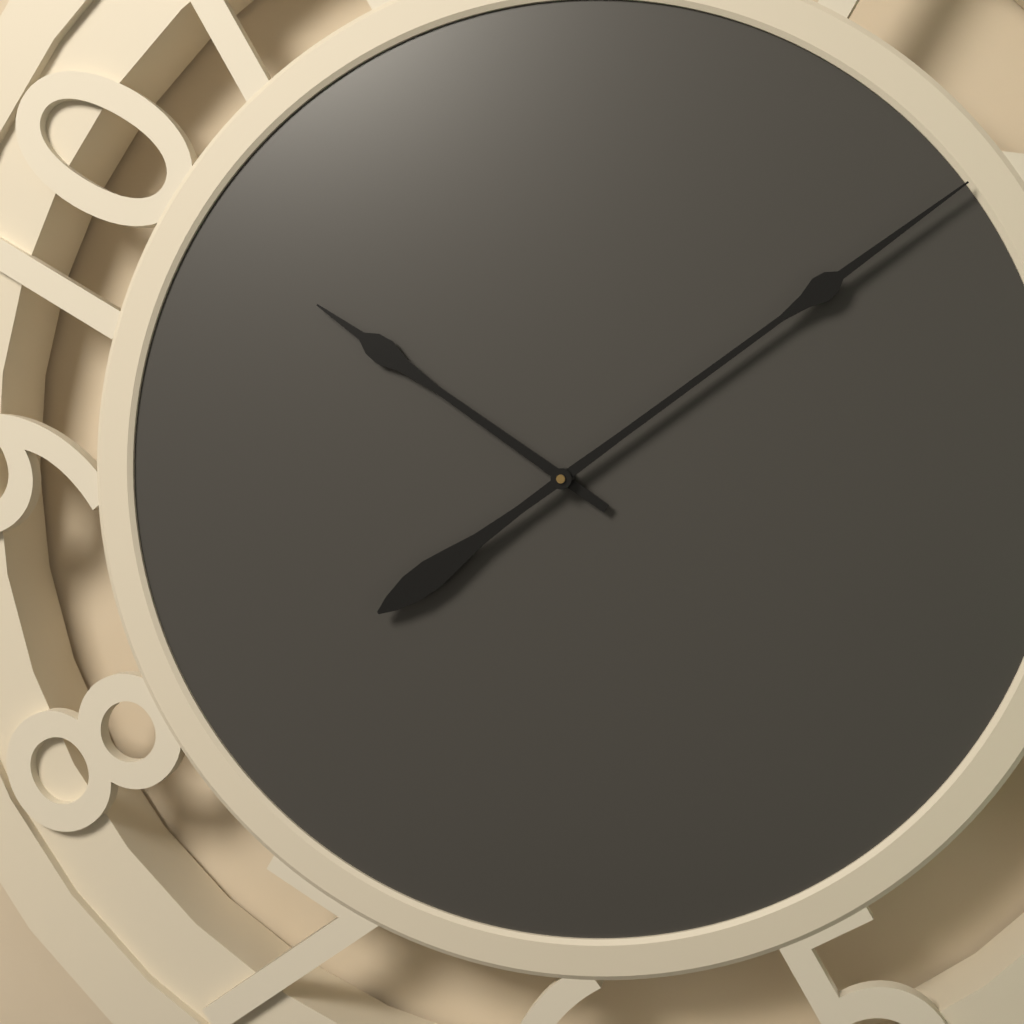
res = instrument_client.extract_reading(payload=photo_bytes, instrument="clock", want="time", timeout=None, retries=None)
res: 10:09
